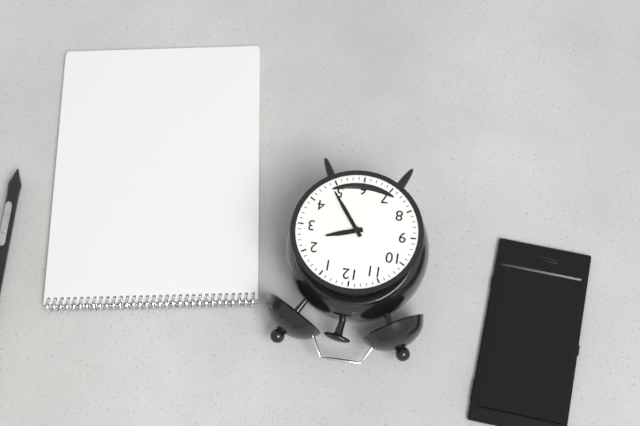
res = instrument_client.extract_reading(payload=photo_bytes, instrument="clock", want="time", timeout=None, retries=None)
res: 2:24
